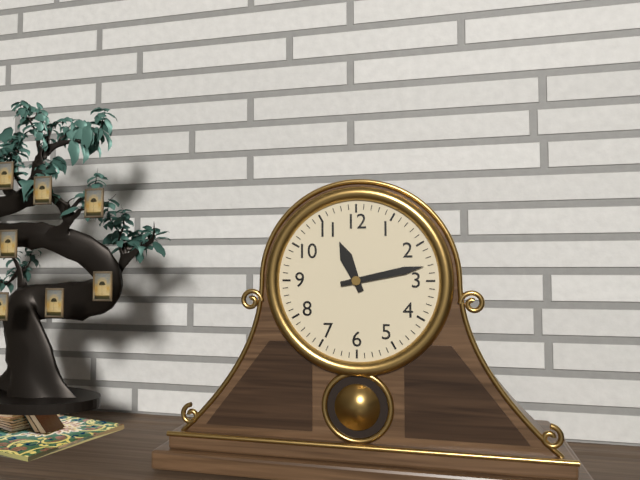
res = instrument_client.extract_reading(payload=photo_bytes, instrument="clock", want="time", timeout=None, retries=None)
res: 11:13
